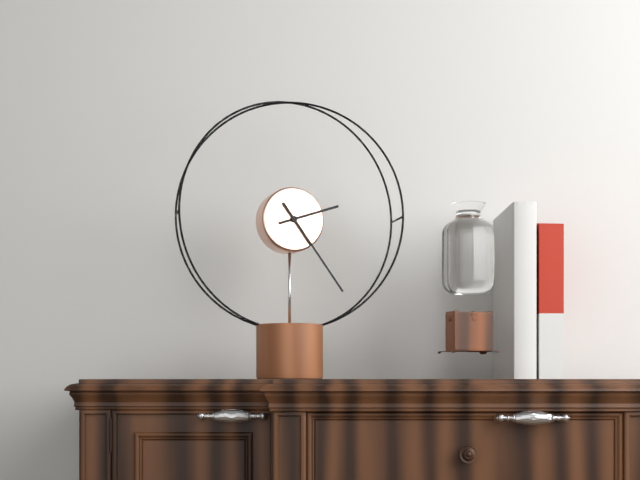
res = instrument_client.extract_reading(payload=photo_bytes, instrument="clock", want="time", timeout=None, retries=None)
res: 2:24
